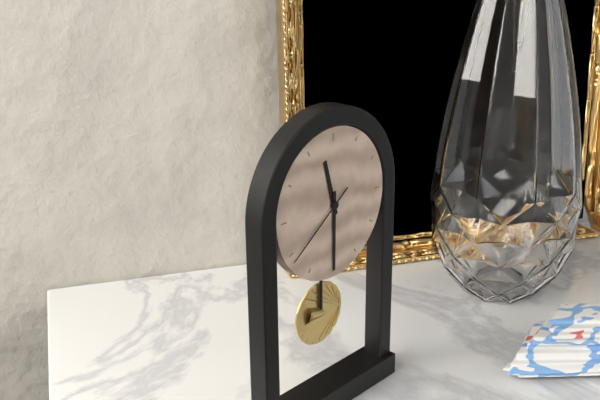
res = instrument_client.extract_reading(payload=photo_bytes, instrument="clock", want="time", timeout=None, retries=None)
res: 11:30:39
